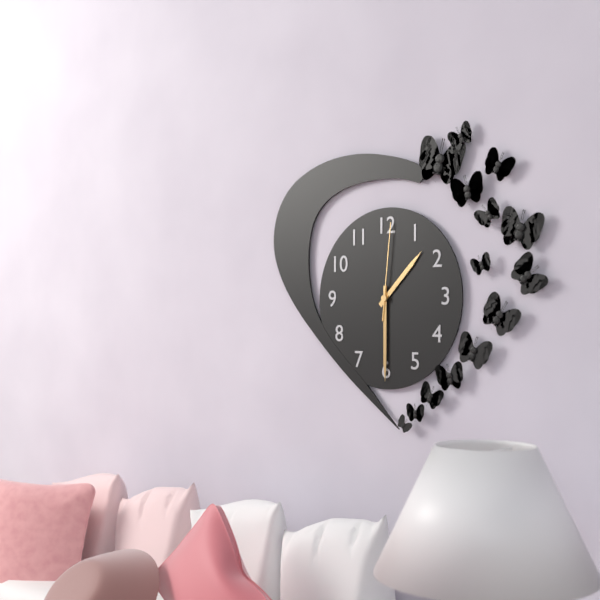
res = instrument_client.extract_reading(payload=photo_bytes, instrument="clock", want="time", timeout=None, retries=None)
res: 1:30:01
